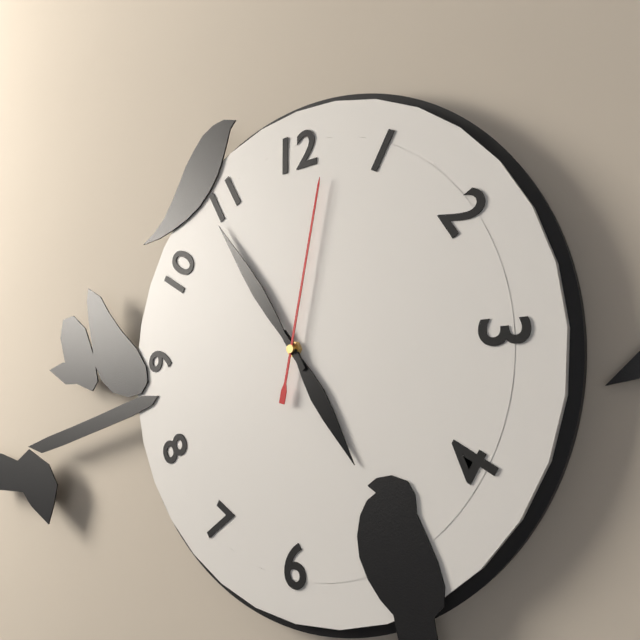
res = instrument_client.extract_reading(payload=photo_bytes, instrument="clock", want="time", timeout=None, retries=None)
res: 4:54:02
